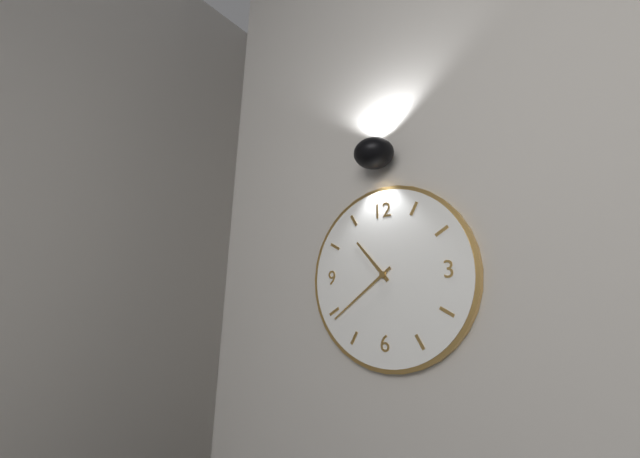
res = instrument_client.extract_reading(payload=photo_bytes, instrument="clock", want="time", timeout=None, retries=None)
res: 10:39
